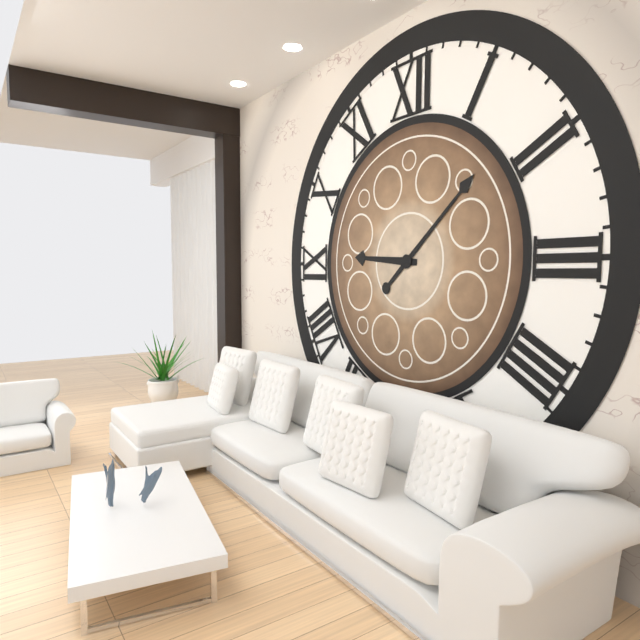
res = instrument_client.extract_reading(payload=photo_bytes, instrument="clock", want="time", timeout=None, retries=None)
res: 9:08
